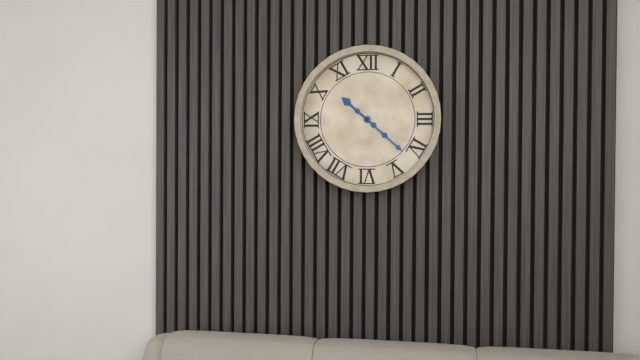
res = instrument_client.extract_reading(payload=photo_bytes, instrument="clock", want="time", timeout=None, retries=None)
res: 10:22
